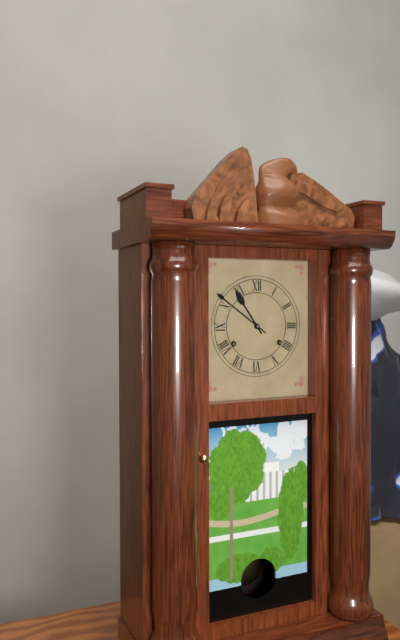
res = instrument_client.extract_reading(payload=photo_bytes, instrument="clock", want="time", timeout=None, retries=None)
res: 10:51
